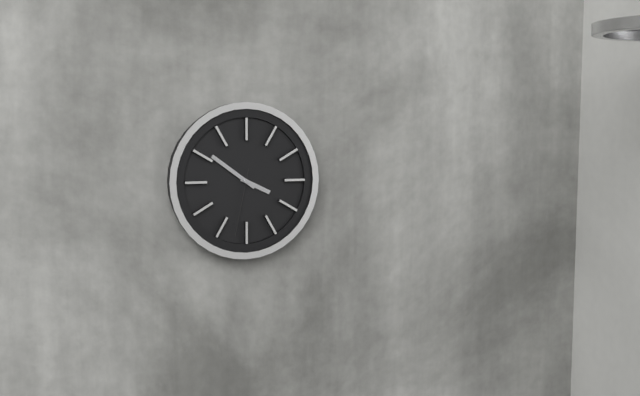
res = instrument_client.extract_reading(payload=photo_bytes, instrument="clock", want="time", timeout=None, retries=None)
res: 3:51:32
